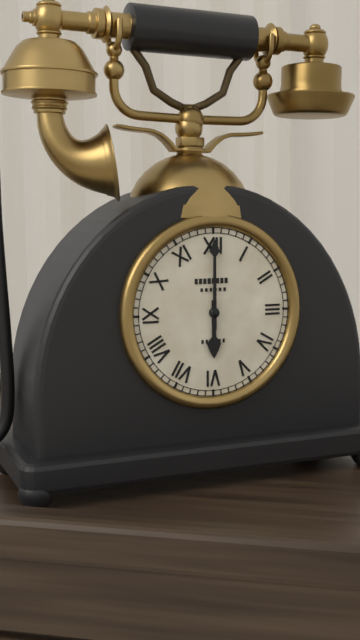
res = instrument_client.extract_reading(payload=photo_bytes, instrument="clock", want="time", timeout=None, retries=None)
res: 6:00
